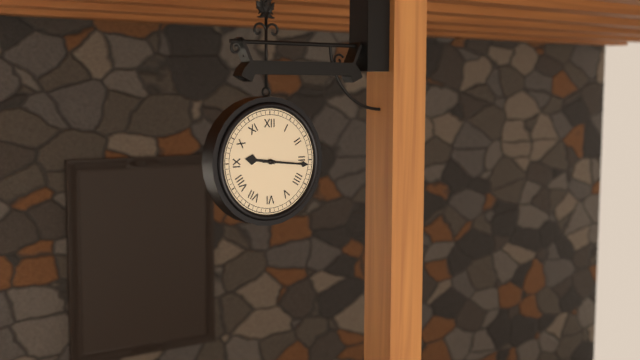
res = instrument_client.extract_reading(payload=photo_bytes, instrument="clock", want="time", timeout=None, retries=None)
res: 9:16
